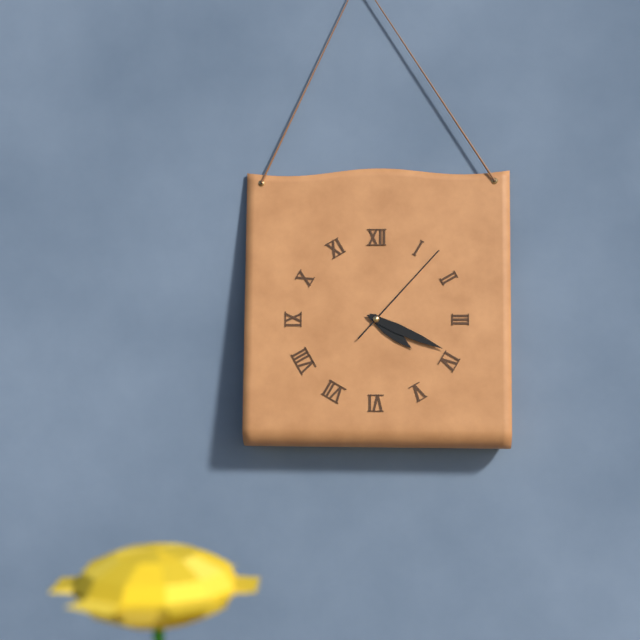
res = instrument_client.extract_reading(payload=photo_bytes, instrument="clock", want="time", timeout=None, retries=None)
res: 4:19:07
